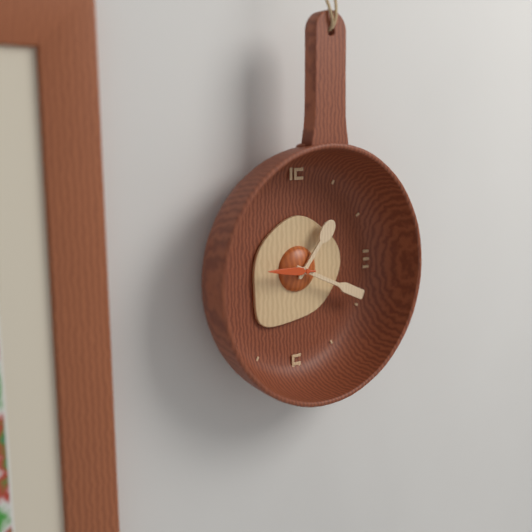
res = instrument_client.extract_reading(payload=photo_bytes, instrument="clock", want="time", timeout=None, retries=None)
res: 1:19
